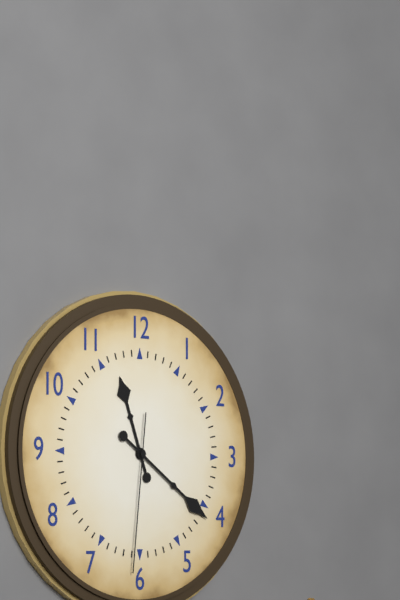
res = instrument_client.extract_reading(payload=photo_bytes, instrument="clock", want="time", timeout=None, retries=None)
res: 11:21:31
